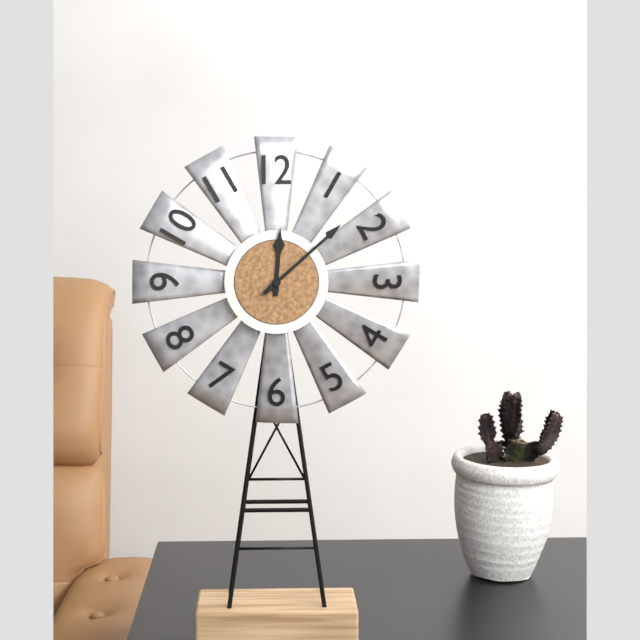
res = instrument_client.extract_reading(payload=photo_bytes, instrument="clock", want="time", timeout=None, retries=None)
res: 12:08
